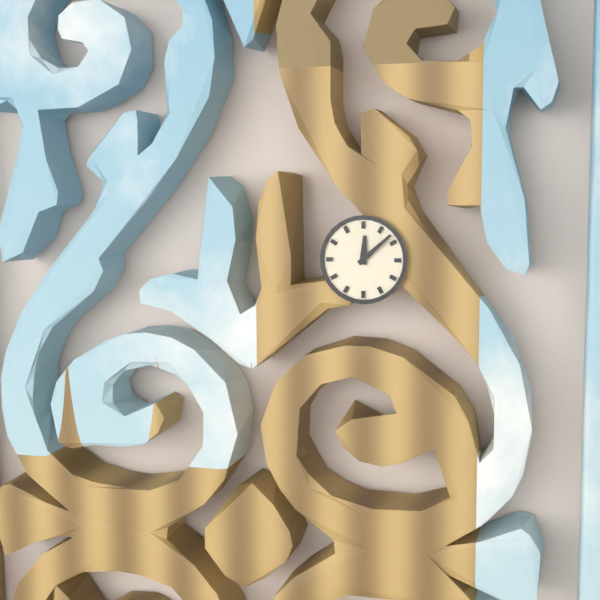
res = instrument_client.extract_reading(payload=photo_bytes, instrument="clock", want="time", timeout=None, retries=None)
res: 12:08
